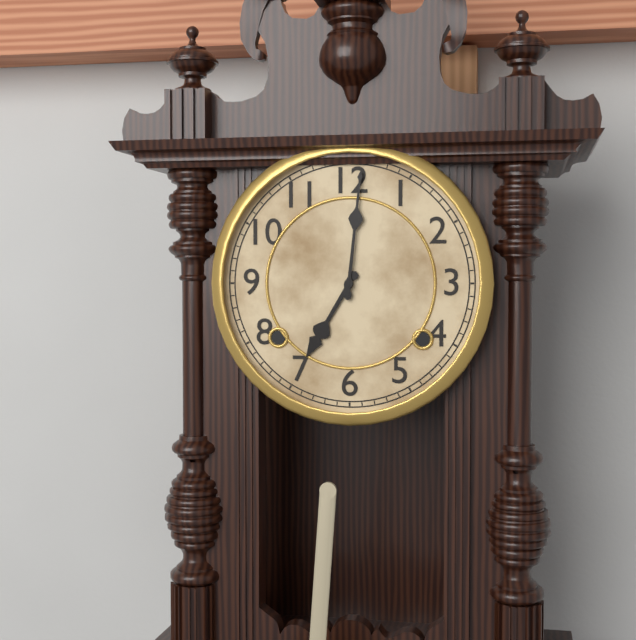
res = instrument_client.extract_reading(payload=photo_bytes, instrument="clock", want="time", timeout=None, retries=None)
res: 7:01
